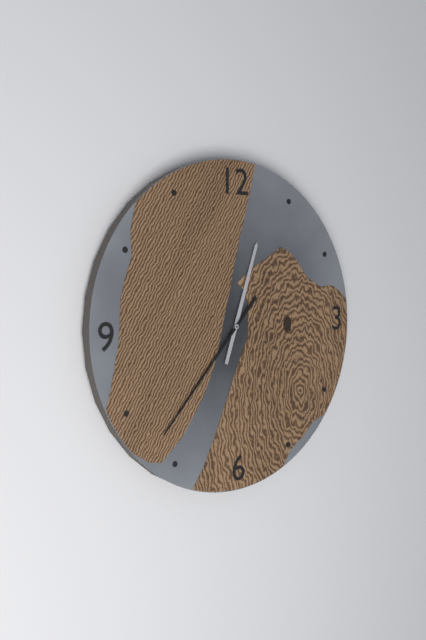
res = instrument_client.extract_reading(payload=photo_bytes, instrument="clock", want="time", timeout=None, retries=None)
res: 12:37
